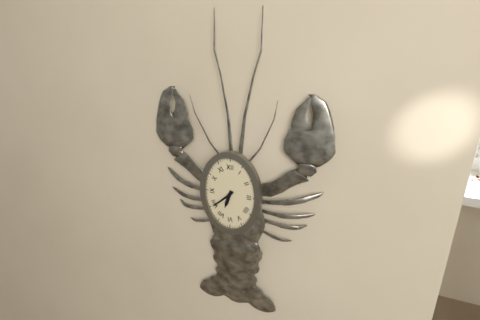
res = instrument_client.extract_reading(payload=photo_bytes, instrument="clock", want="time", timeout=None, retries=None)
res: 6:38
